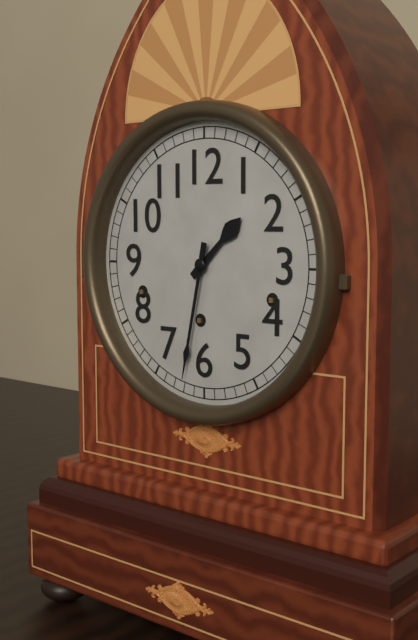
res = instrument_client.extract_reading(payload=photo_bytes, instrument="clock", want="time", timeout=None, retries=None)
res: 1:32
